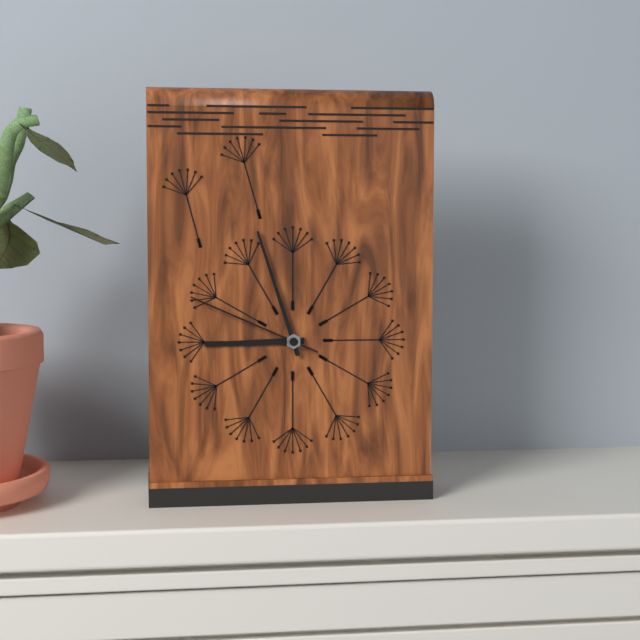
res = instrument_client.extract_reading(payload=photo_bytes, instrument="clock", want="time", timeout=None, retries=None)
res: 8:57:49
